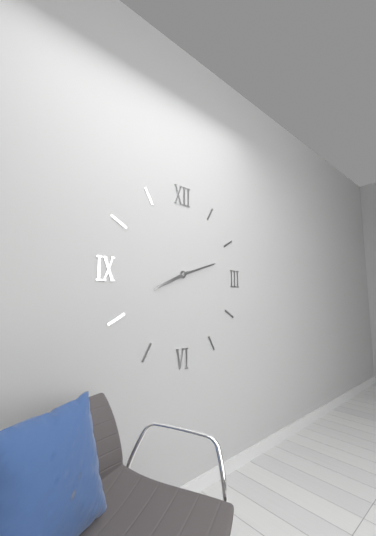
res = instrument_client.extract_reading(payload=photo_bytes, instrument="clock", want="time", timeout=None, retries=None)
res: 8:12
